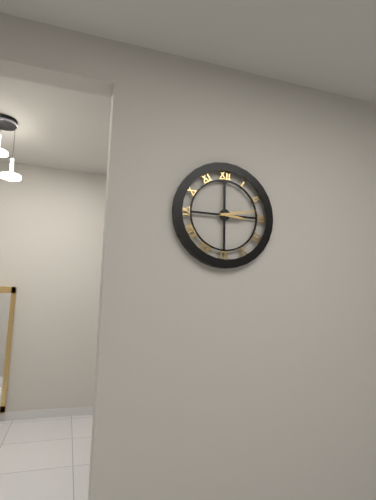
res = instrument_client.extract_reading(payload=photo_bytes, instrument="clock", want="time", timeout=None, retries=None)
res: 3:13
